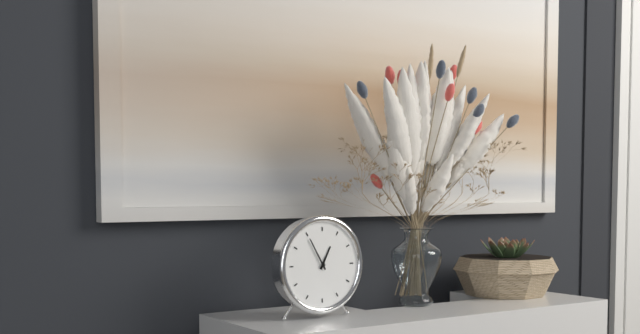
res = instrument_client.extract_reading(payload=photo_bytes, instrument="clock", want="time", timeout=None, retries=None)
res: 12:55
